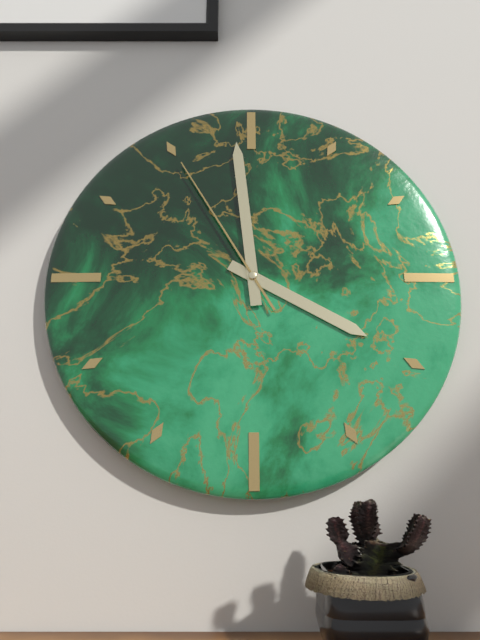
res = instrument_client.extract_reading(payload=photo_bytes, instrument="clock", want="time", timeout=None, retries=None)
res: 3:59:55
